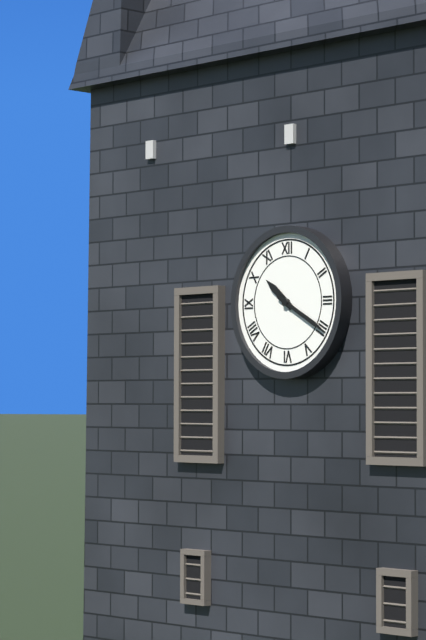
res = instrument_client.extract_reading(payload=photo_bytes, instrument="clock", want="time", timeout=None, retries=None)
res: 10:20
